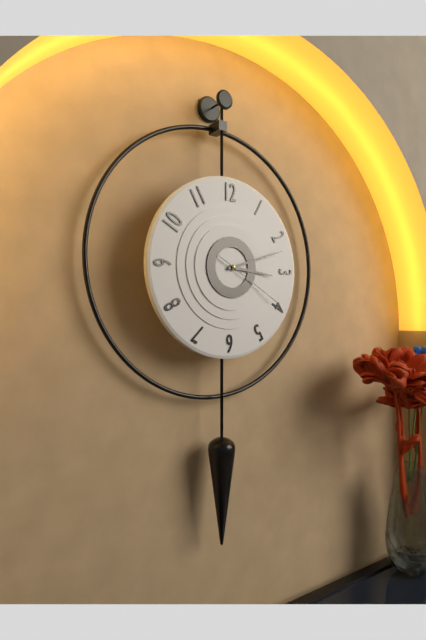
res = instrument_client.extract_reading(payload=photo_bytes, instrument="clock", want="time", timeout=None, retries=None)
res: 3:12:20
